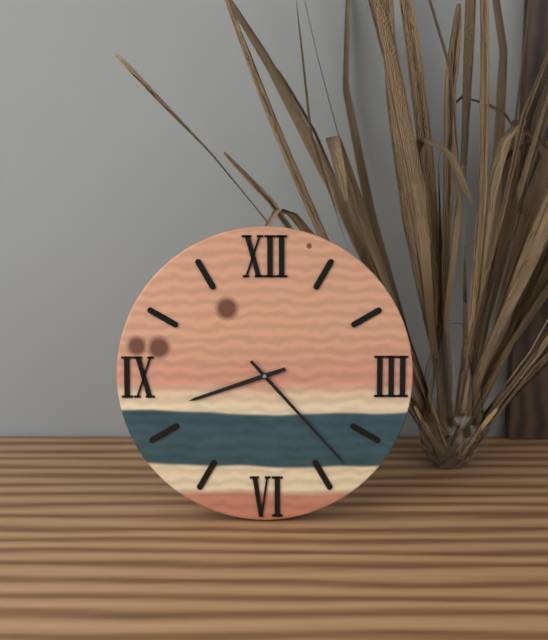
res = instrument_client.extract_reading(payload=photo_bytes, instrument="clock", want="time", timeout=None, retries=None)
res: 8:23
